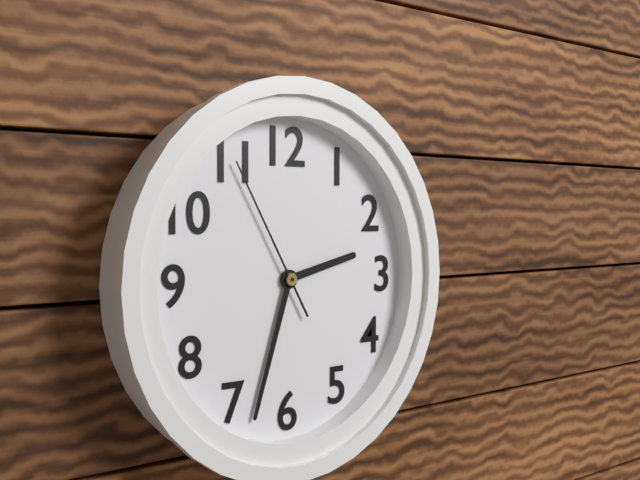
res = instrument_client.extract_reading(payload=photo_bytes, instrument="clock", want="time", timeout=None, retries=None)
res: 2:33:55
